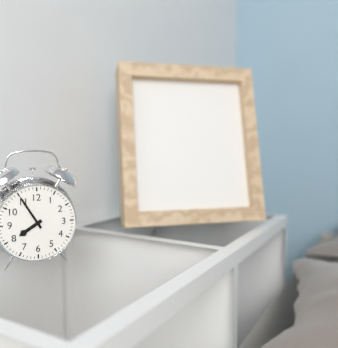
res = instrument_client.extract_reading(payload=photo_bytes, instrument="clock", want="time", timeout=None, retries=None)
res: 7:55
